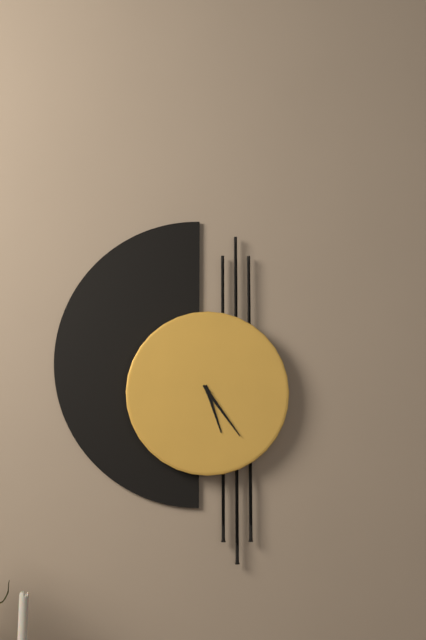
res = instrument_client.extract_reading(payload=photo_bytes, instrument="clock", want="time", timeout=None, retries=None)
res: 5:24
